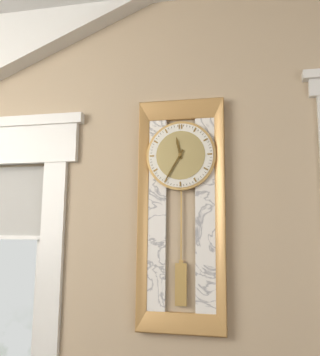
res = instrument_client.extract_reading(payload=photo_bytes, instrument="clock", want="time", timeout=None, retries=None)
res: 11:35
